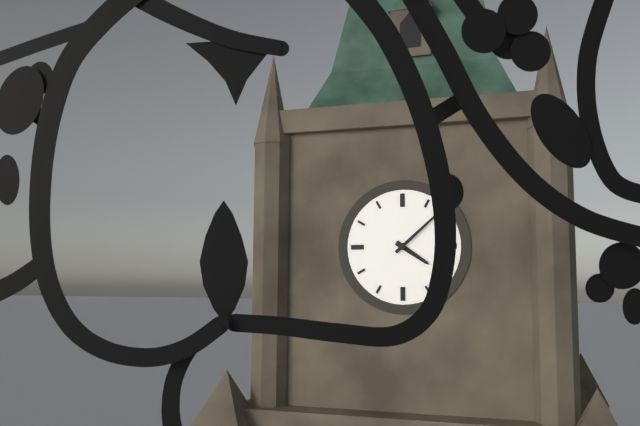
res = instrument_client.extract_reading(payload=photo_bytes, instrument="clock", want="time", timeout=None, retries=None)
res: 4:08
